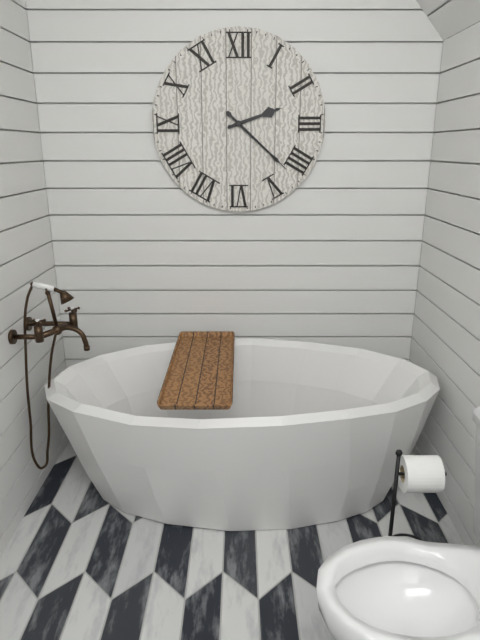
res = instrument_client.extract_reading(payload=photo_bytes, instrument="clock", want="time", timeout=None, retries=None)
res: 2:22
